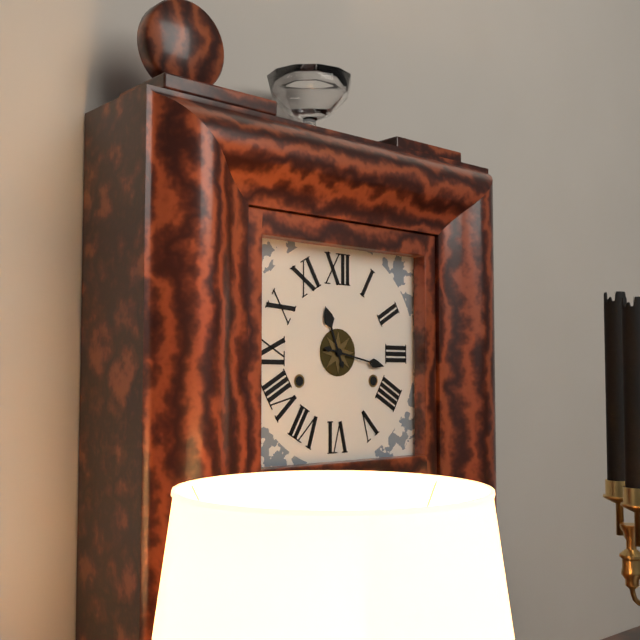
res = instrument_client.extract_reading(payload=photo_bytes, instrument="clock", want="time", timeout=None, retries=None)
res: 11:17
